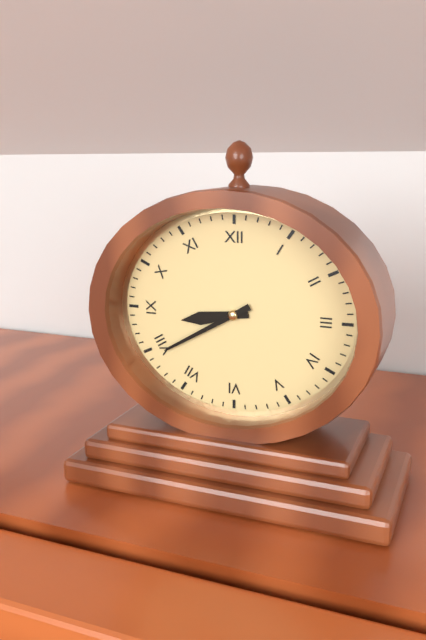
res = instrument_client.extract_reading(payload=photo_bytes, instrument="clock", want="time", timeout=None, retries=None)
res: 8:40
